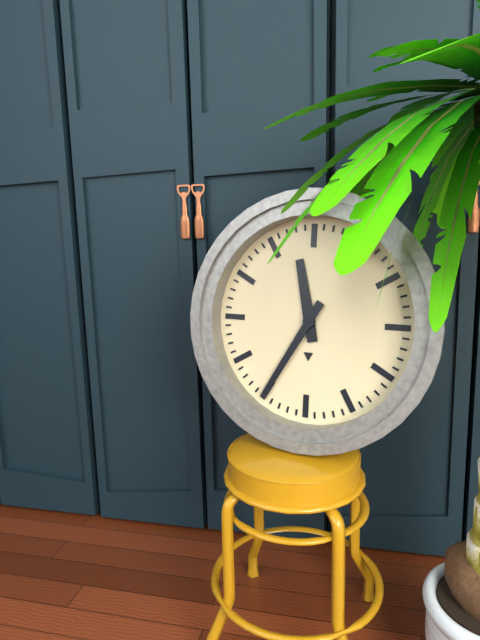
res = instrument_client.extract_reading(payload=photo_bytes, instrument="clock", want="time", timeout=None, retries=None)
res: 11:35
